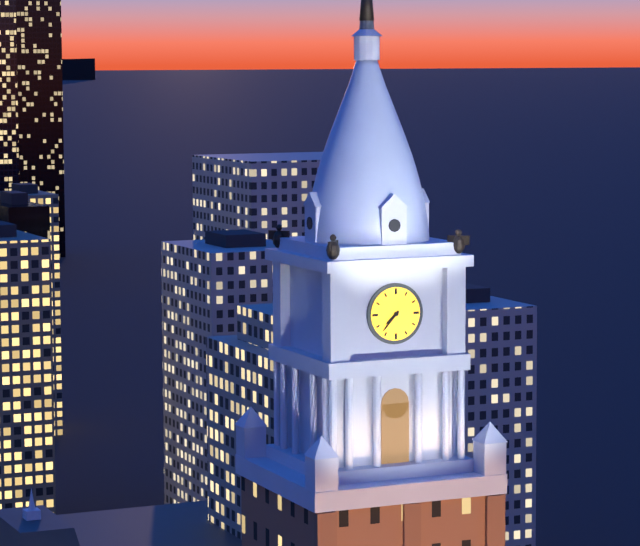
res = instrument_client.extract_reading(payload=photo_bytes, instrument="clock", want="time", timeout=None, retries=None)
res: 7:37
